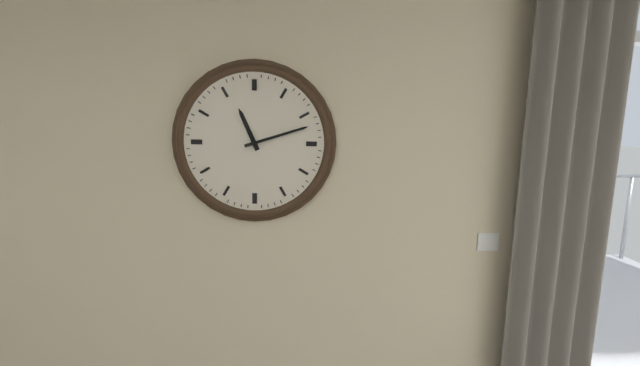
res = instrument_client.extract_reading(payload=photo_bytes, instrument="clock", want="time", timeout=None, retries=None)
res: 11:12
